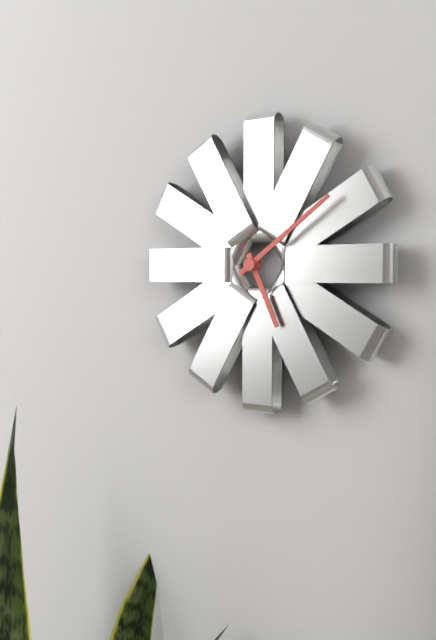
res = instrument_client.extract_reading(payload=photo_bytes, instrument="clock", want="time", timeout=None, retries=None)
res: 5:09
